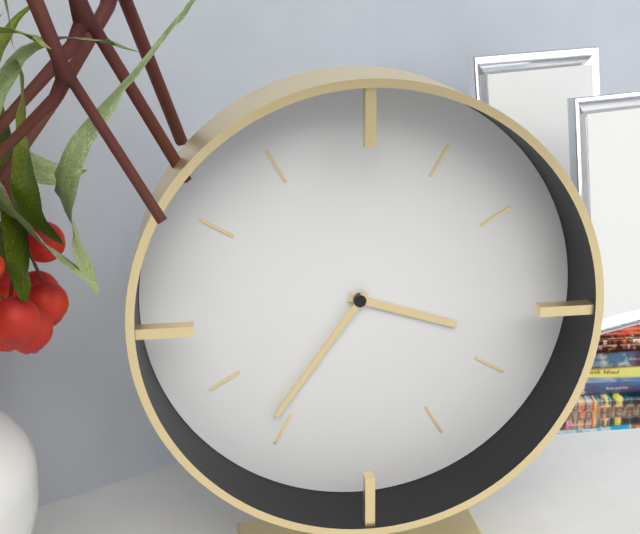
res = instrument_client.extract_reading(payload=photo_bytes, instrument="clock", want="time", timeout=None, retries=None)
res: 3:36
